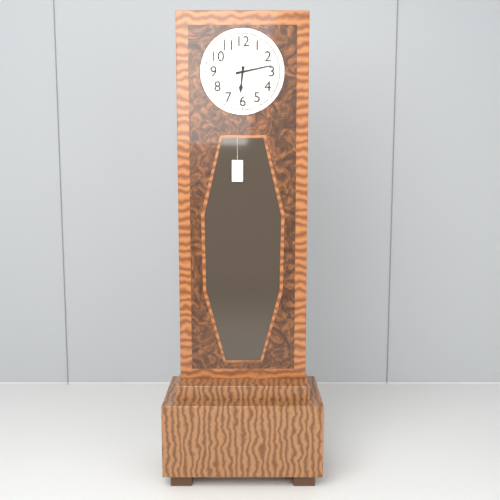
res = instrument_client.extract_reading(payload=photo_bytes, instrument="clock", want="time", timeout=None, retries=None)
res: 6:13
